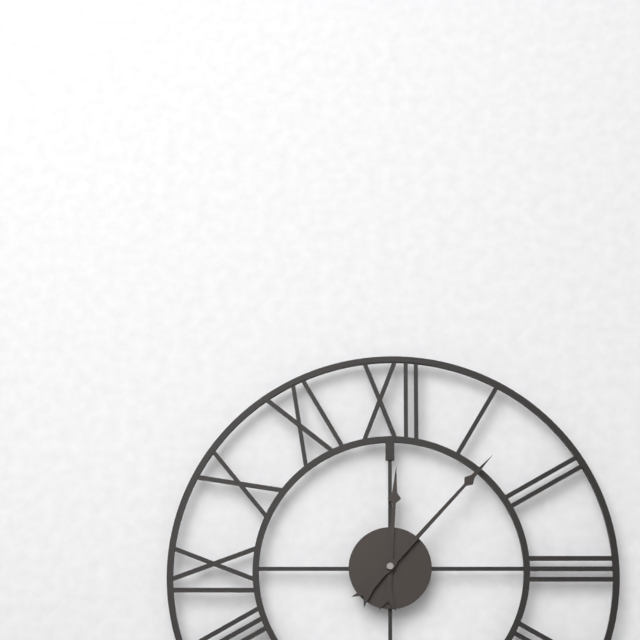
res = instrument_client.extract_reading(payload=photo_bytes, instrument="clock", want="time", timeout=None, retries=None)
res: 12:07
